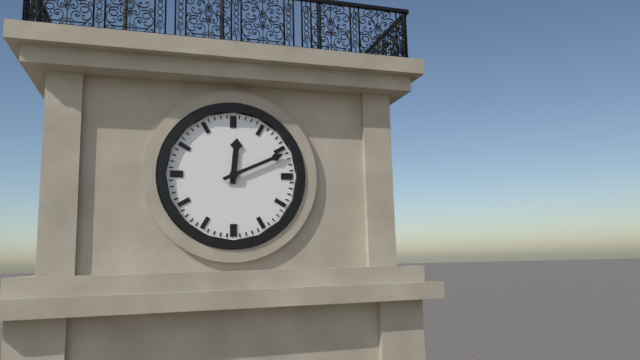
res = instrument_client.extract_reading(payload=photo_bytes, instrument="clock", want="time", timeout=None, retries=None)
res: 12:11
